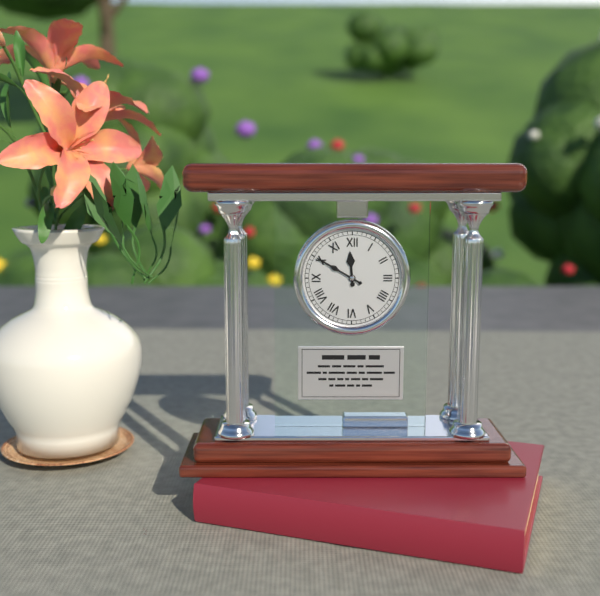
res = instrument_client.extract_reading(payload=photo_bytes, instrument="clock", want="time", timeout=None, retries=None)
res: 11:50
